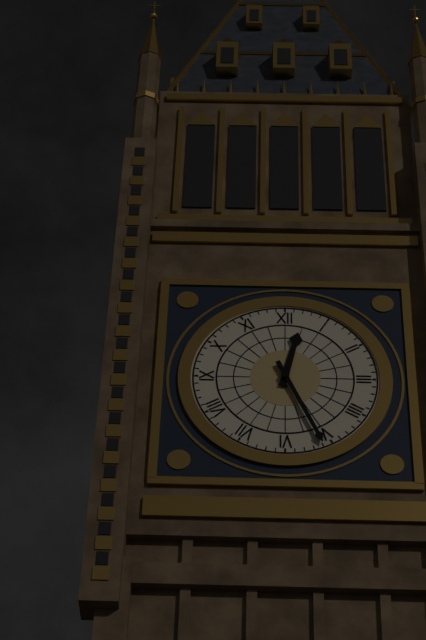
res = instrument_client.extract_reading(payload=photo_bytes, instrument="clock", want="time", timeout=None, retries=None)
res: 12:26
